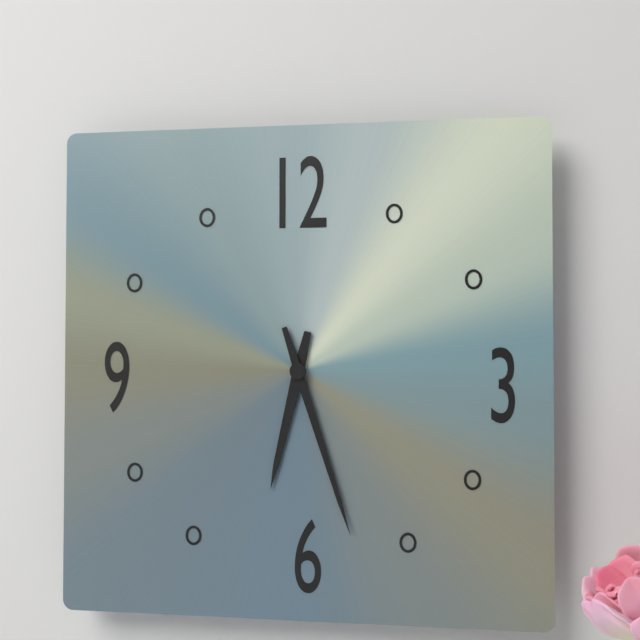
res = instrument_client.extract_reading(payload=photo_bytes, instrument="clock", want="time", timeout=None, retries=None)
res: 6:27
